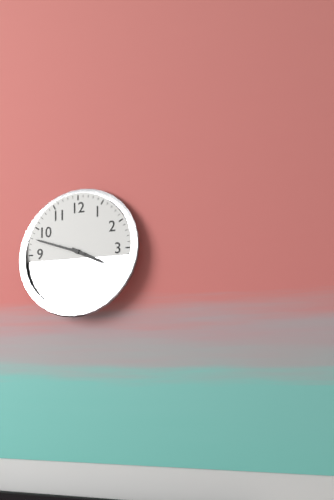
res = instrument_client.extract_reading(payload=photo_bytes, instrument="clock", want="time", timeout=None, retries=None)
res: 3:48
